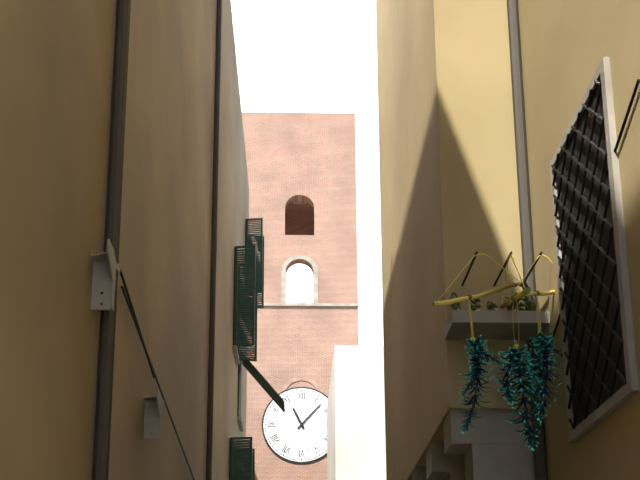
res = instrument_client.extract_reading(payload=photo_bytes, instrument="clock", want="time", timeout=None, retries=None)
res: 11:07
